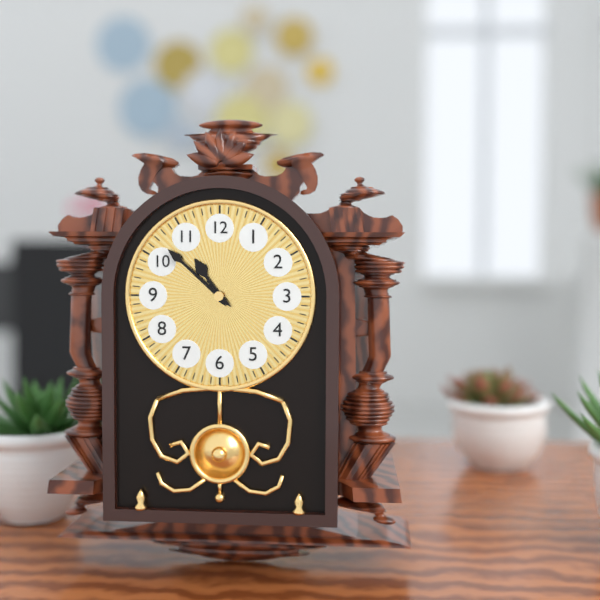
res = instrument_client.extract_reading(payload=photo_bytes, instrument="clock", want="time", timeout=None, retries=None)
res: 10:52
